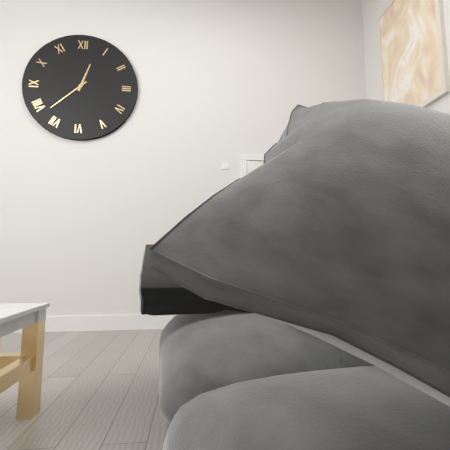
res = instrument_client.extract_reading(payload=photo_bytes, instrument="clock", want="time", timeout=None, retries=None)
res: 12:38
